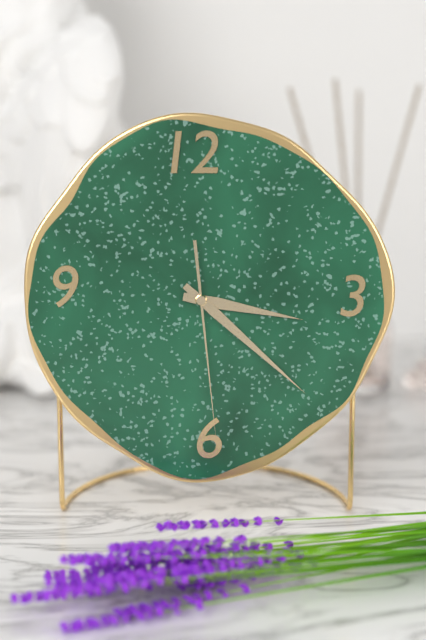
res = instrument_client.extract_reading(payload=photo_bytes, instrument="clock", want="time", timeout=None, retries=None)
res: 3:22:29
